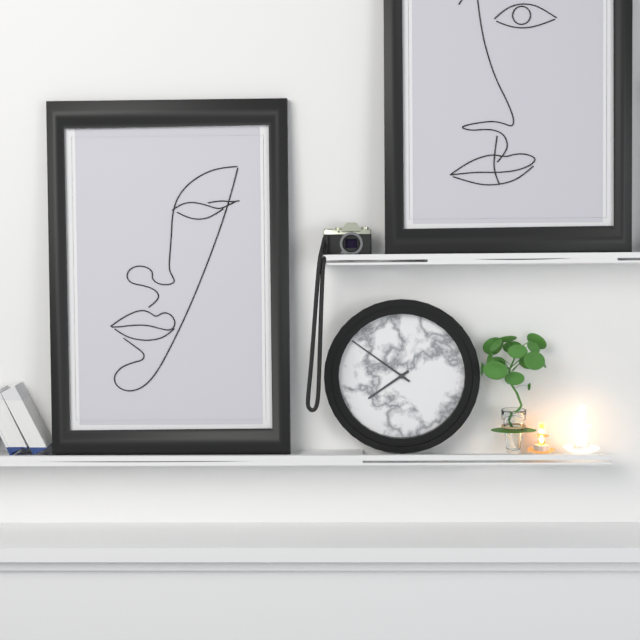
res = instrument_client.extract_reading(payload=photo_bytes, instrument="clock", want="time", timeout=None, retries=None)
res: 7:51
